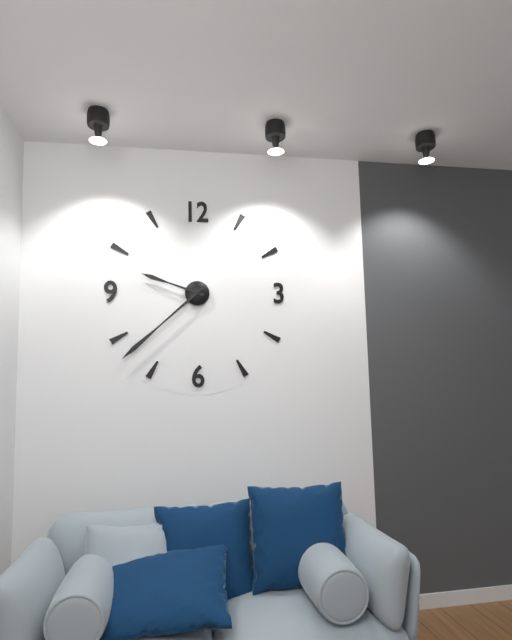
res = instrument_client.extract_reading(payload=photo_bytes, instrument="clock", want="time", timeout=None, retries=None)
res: 9:38
